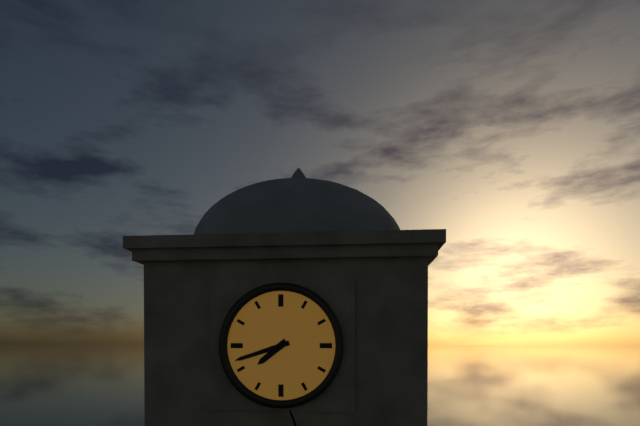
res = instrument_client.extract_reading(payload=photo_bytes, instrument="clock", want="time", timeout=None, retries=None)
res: 7:42
